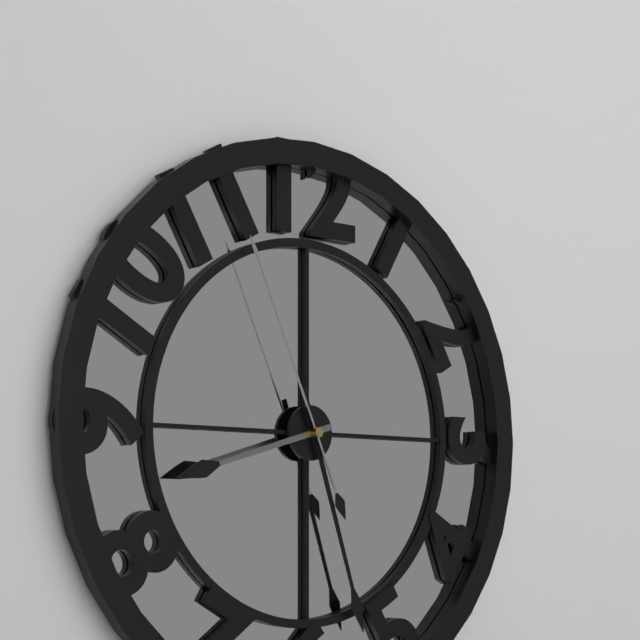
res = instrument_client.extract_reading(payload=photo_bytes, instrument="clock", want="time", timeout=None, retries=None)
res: 8:27:56
